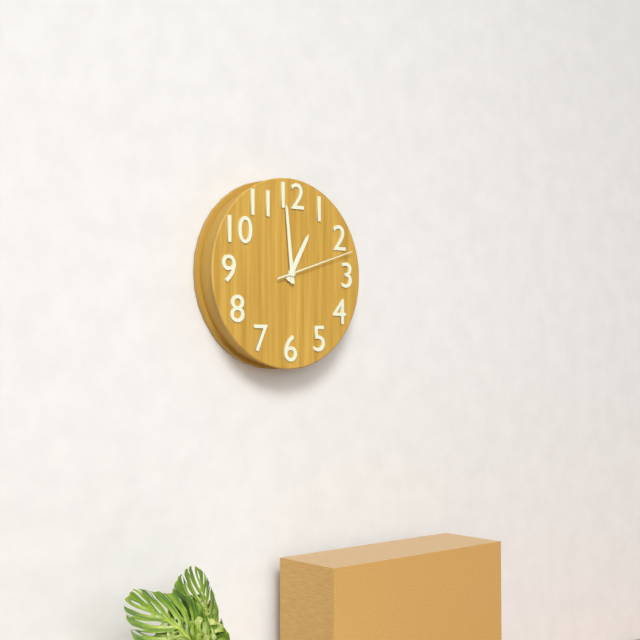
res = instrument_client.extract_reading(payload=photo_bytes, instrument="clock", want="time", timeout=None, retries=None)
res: 12:59:12
